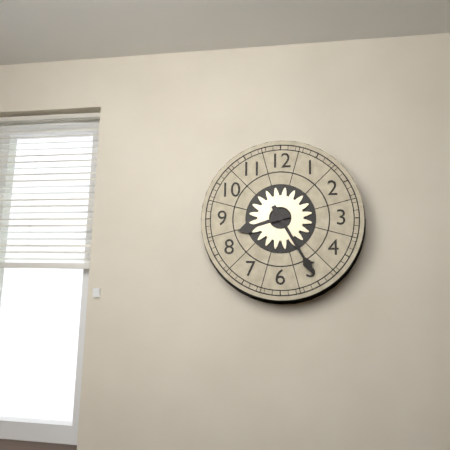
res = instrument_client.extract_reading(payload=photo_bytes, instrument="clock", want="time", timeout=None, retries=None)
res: 8:25
